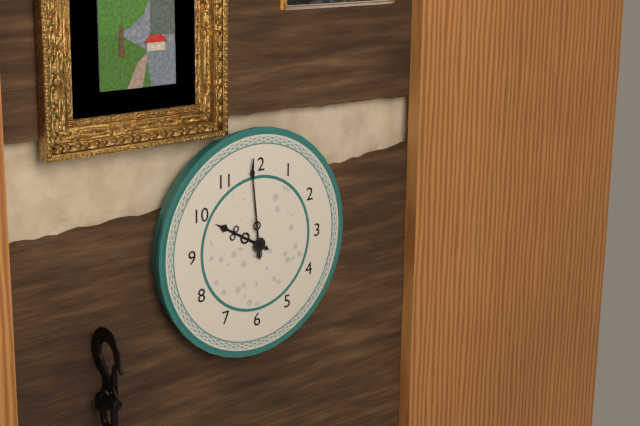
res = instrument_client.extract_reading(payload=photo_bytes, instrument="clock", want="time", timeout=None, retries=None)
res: 9:59
